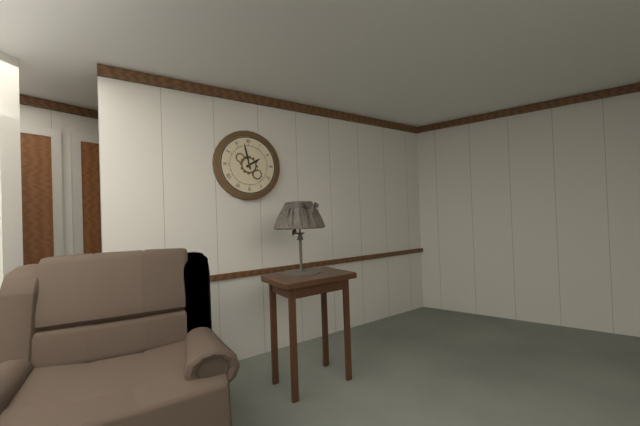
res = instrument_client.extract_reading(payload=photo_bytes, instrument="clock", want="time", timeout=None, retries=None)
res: 1:58
